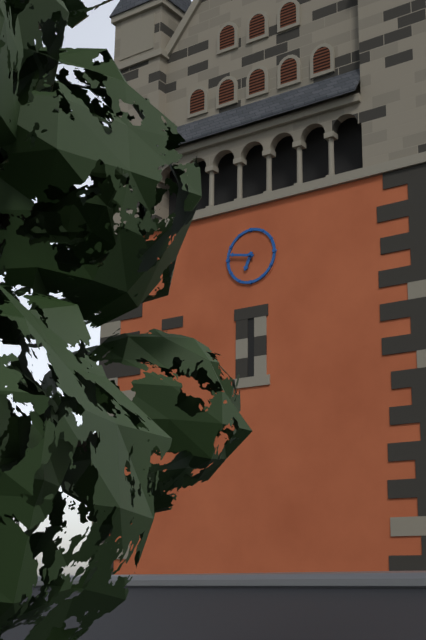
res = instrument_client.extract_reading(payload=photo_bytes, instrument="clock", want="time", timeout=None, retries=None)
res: 6:47
